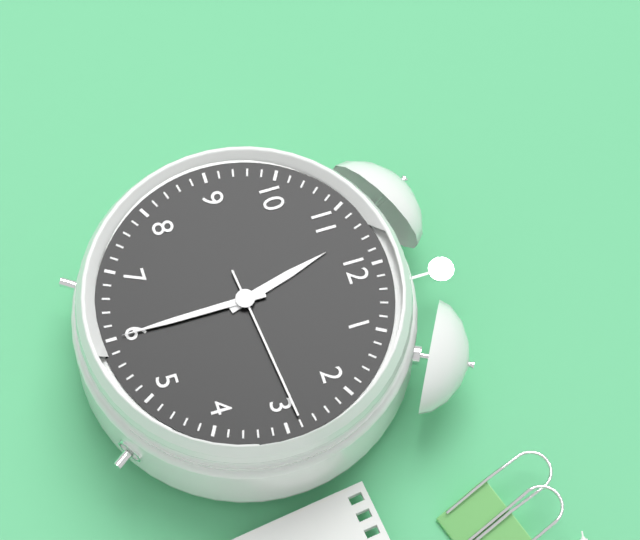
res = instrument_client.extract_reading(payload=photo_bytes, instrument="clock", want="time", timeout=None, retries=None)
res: 11:30:14
